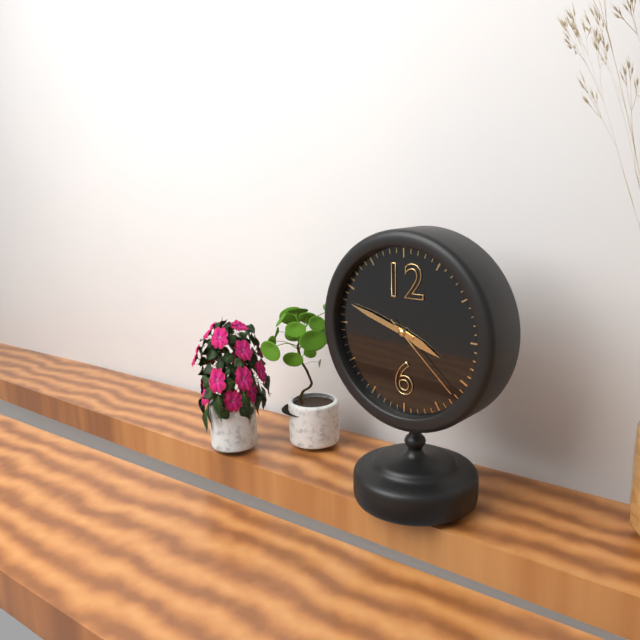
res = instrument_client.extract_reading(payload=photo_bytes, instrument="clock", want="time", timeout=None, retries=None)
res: 3:48:22
